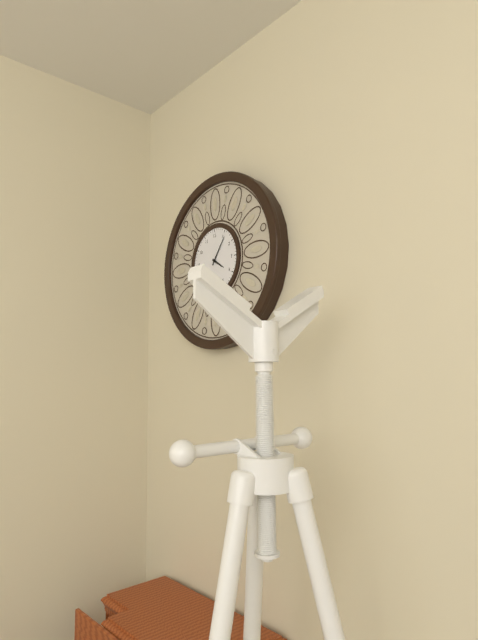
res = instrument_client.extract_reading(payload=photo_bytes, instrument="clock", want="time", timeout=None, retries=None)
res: 4:06
